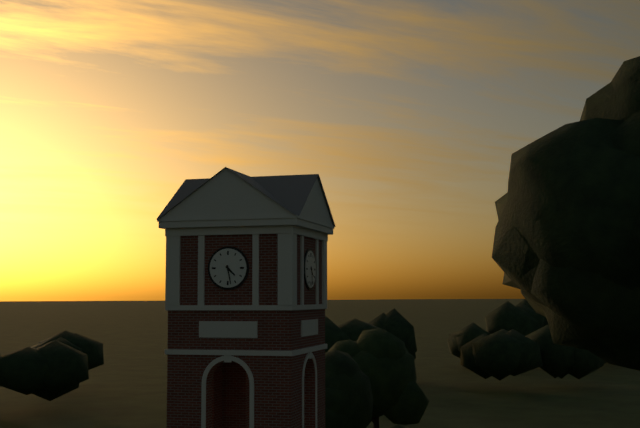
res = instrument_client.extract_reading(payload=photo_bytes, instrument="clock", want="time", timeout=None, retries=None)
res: 4:28
